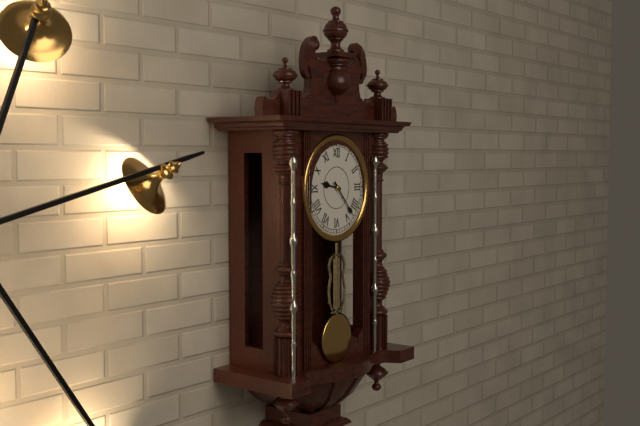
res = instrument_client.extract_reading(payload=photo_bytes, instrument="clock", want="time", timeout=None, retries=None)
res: 9:23
